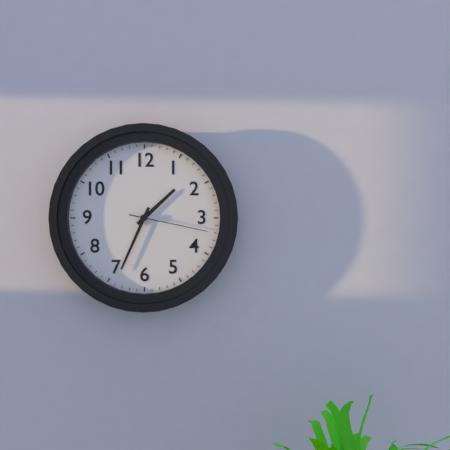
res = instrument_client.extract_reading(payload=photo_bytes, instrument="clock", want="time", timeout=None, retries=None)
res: 1:34:17
